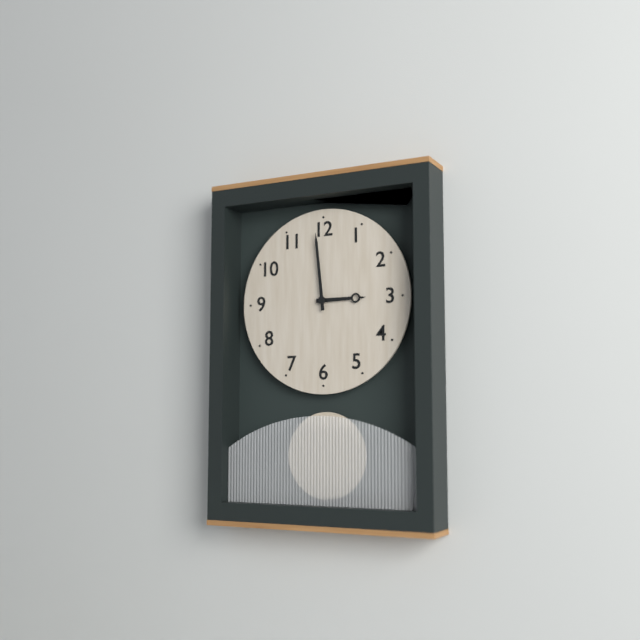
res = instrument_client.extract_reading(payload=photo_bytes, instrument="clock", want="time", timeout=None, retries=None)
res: 2:59
